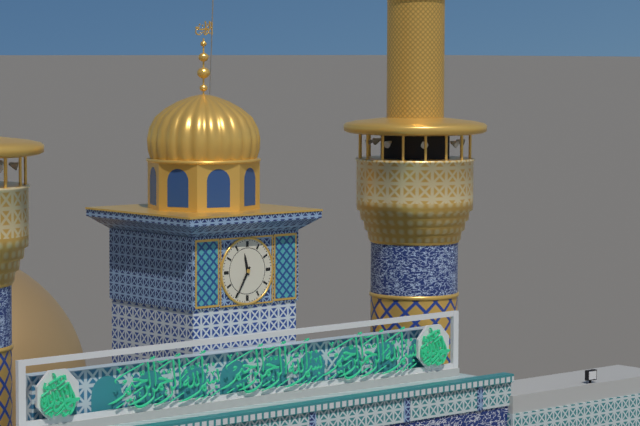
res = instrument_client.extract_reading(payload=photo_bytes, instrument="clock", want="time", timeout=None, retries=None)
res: 11:35
